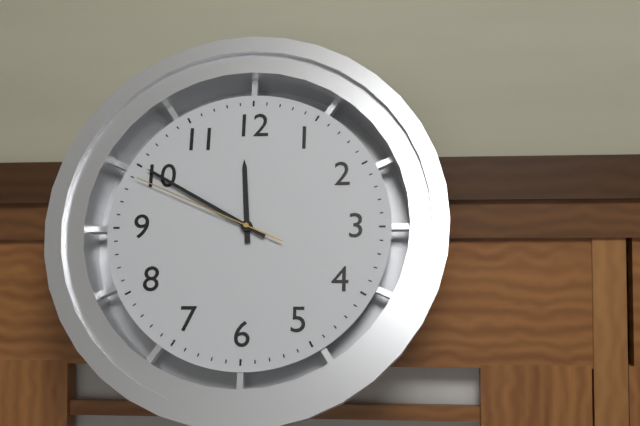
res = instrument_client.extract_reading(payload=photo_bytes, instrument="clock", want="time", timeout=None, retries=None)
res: 11:50:49
